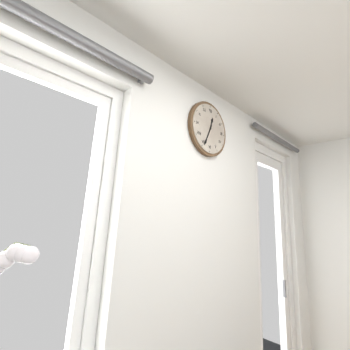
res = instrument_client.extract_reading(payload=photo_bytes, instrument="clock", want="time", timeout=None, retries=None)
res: 12:34
